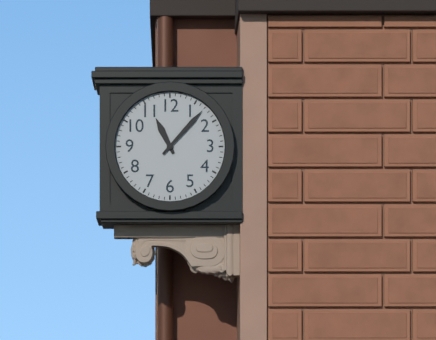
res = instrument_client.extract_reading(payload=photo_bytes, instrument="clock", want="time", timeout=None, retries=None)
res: 11:07
